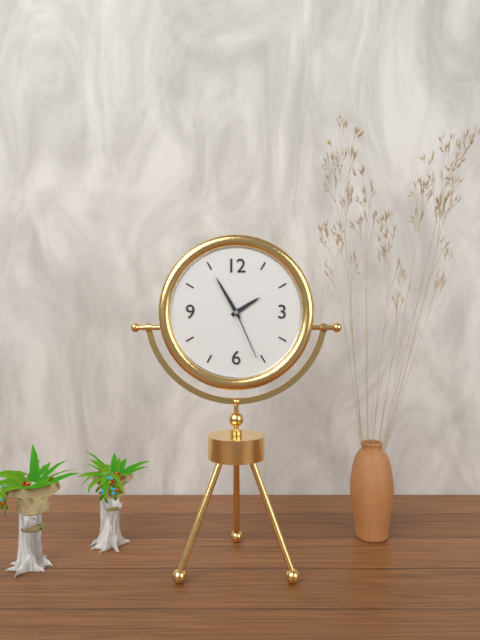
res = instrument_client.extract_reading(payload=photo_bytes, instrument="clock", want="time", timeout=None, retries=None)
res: 1:55:26
